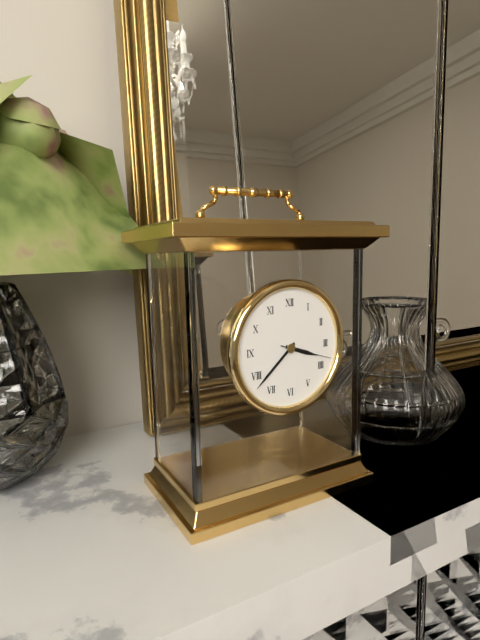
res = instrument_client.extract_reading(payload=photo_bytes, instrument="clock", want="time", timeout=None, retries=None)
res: 3:38:18
